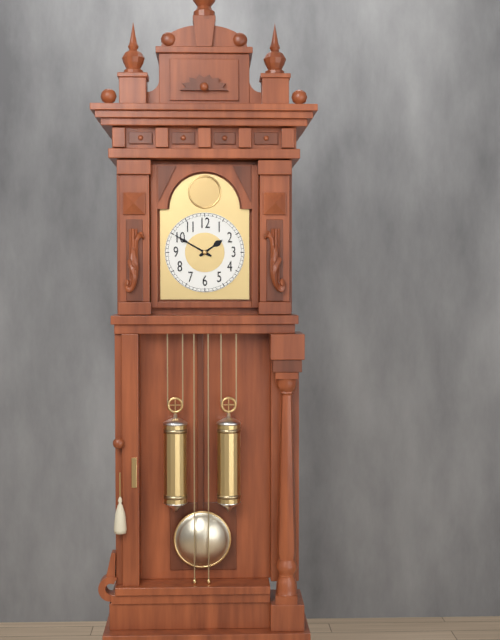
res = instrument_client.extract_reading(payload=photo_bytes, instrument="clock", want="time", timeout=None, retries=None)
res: 1:50
